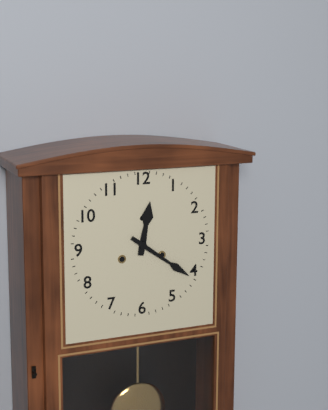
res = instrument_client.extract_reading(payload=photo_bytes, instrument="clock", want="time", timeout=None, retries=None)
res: 12:21
